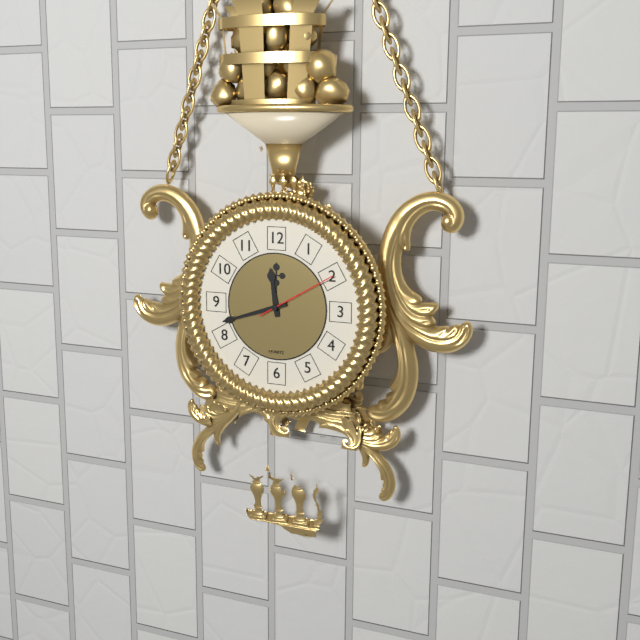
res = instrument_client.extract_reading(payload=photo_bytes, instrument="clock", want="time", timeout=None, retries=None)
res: 11:42:10
